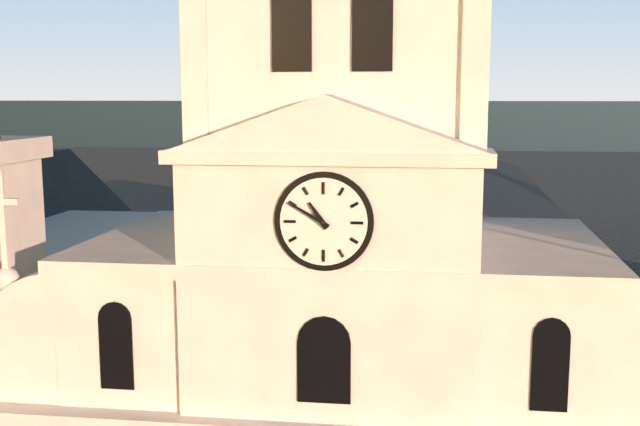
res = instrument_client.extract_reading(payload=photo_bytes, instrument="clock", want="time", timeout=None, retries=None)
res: 10:50
